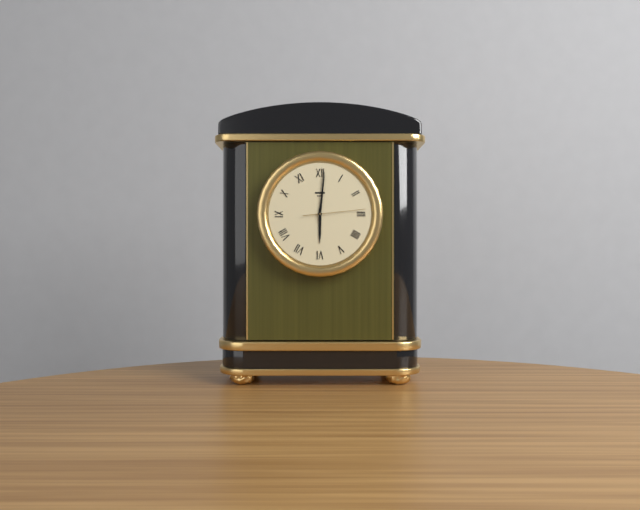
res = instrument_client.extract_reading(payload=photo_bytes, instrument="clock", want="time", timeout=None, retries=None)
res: 6:01:14
